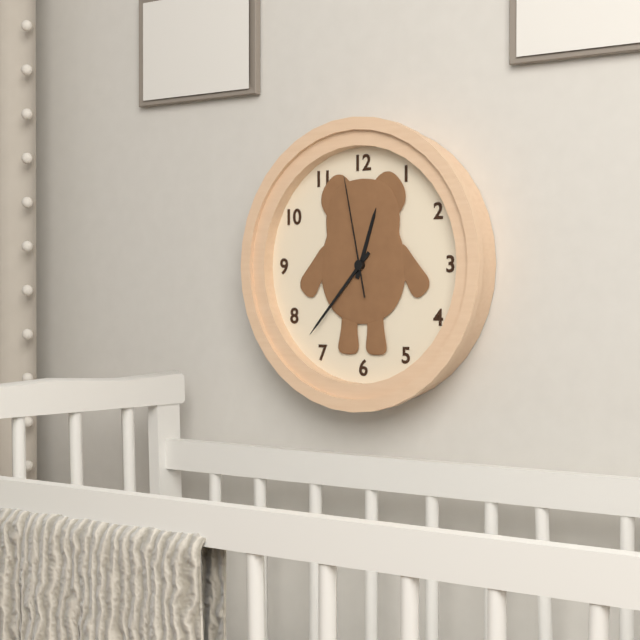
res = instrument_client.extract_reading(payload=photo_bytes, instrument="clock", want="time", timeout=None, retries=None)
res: 12:37:58
